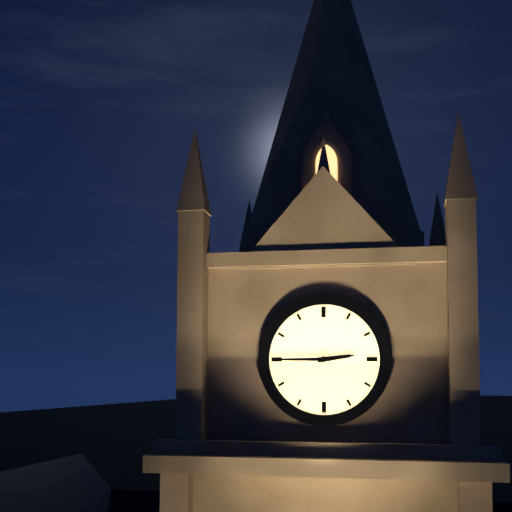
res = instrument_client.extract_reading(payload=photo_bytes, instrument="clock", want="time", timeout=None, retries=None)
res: 2:45
